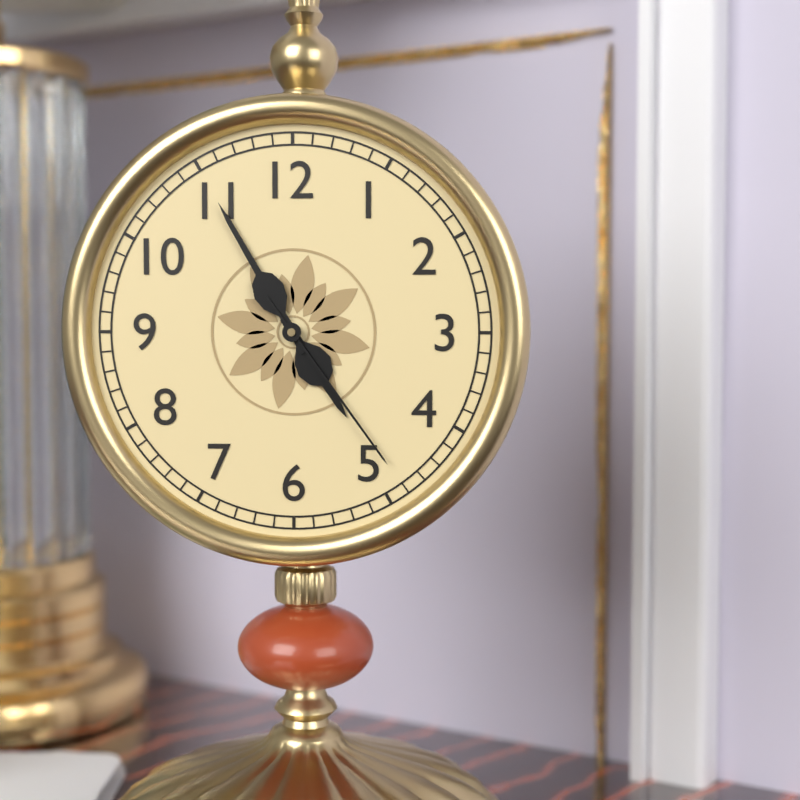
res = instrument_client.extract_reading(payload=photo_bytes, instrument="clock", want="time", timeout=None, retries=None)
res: 4:55:24
